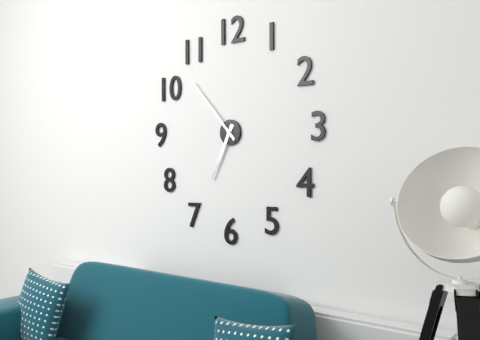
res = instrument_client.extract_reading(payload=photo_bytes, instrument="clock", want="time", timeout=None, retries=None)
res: 6:53
